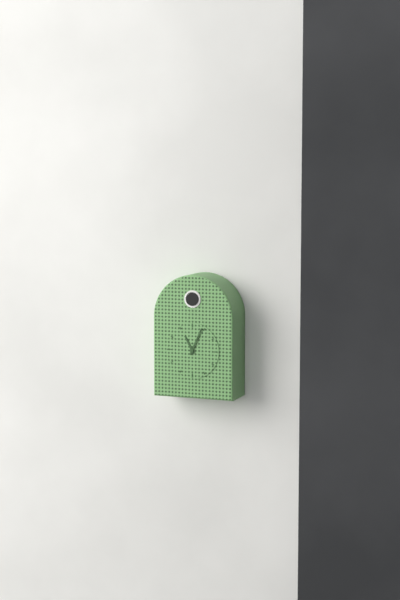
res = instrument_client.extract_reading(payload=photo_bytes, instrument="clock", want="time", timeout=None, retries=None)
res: 11:04
